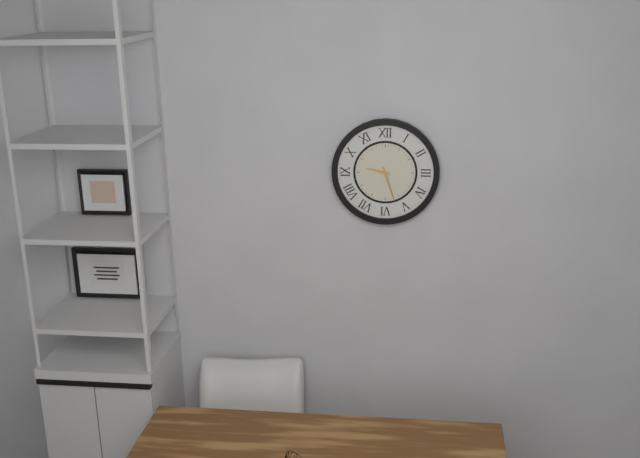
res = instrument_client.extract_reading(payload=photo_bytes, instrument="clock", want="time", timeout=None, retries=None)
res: 9:27
